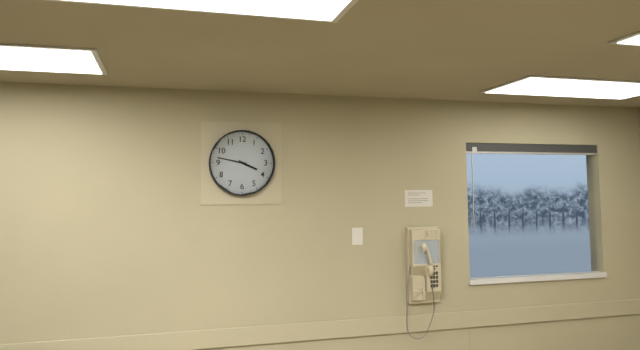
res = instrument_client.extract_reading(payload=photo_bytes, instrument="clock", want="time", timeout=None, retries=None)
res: 3:47
